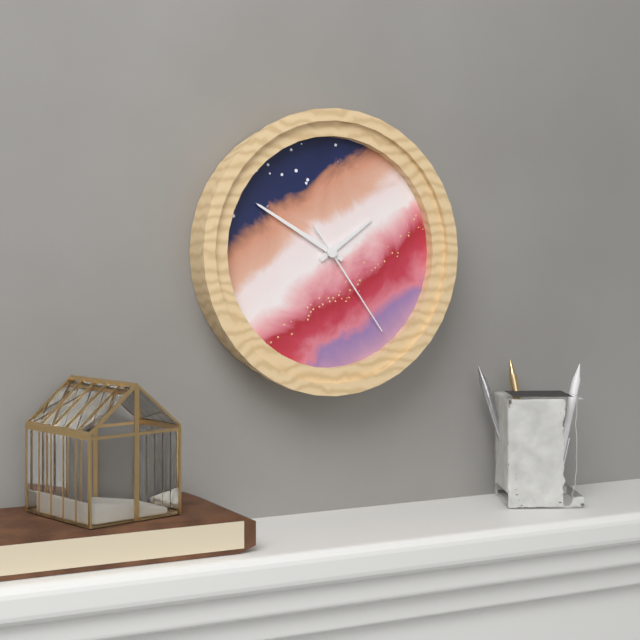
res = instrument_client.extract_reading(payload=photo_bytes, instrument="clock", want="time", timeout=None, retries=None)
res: 1:50:24
